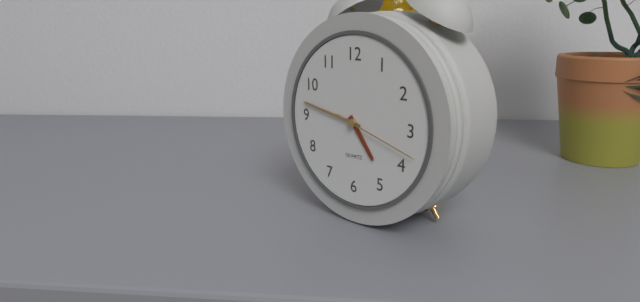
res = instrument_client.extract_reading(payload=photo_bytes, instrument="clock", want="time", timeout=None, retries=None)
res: 4:47:18
